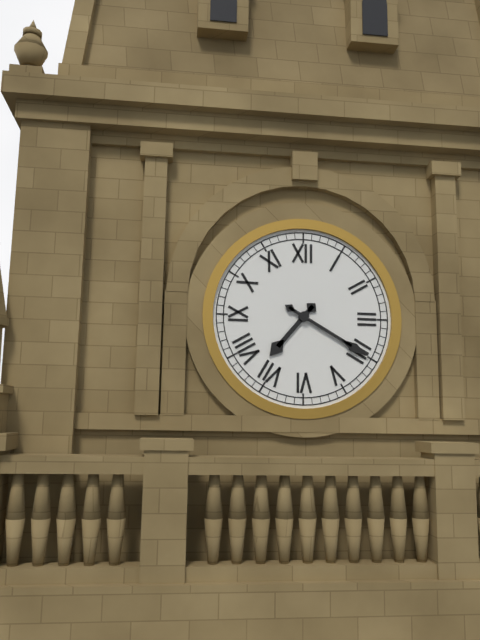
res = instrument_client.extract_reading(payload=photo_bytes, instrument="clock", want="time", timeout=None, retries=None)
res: 7:20
